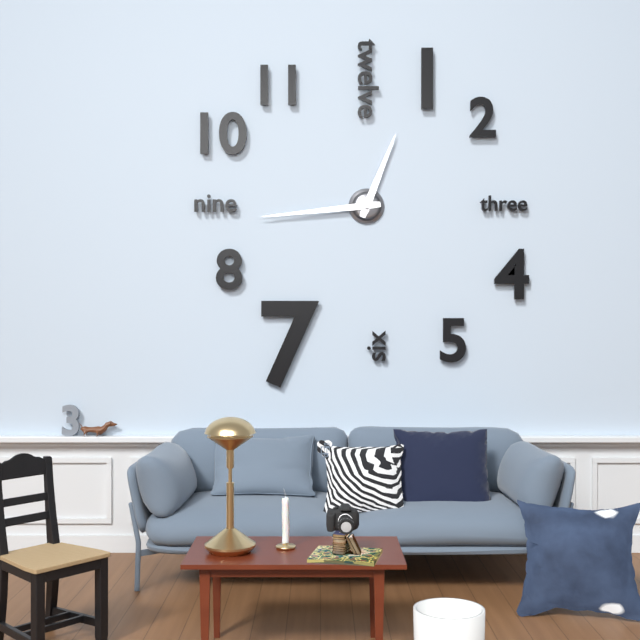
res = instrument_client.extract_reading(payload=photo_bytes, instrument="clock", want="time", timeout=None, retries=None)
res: 12:44
